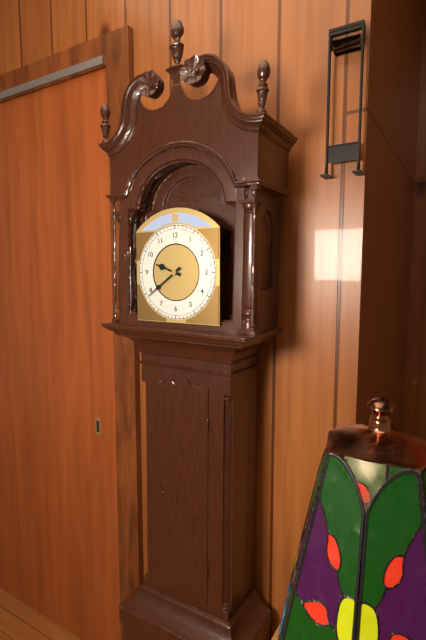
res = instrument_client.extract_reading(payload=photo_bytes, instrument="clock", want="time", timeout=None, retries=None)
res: 9:39
